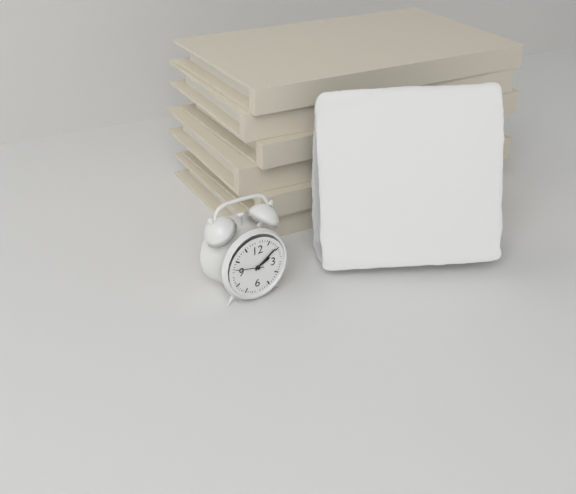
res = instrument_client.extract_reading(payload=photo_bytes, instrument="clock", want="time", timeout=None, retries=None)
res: 2:09
